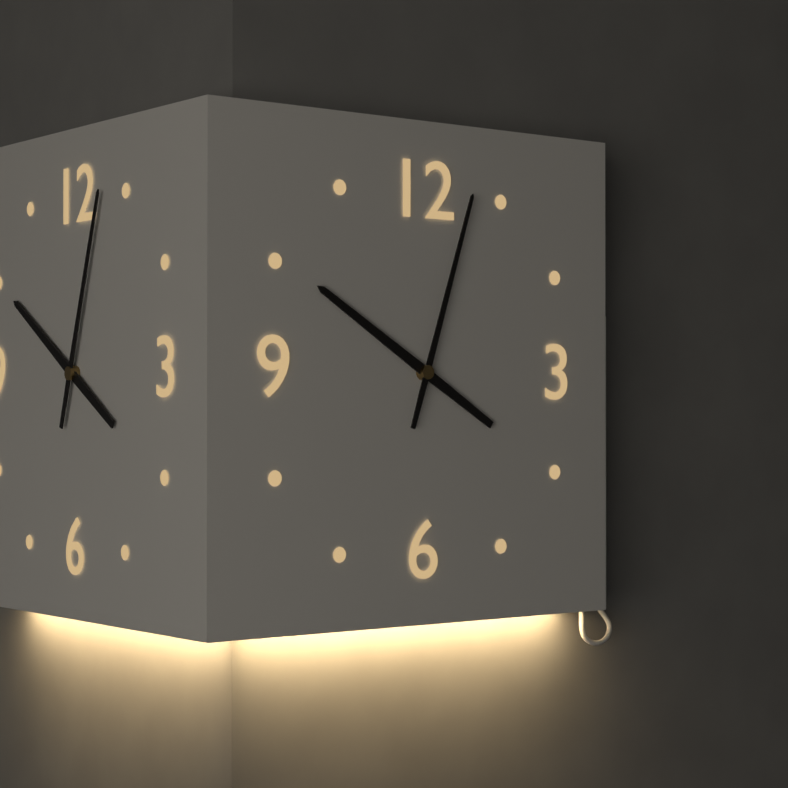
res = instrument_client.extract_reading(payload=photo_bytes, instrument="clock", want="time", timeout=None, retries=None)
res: 10:03
